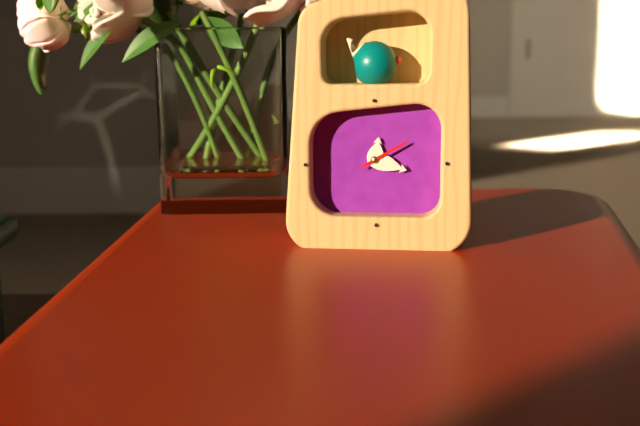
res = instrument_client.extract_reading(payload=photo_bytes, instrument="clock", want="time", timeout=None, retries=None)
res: 12:18
